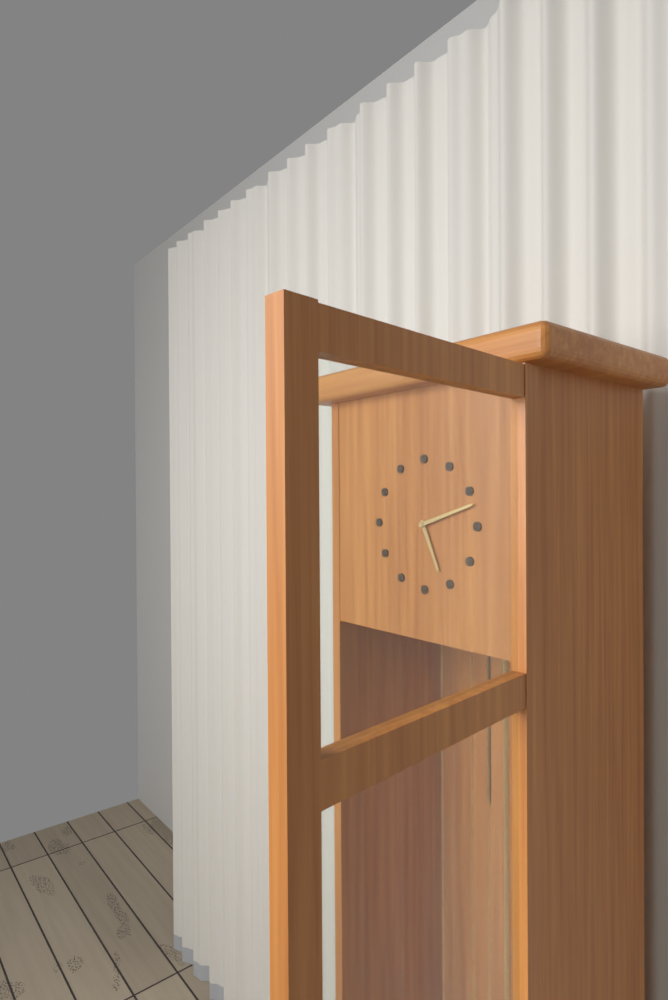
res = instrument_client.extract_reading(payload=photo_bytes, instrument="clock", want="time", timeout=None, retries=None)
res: 5:12
